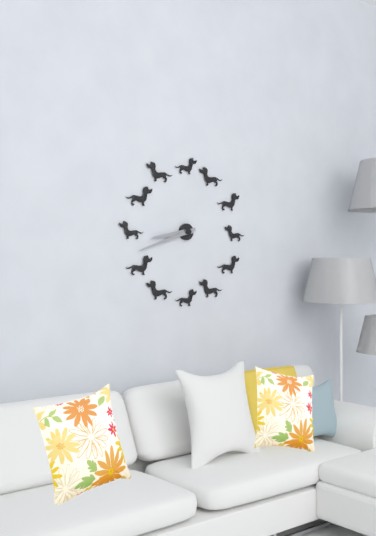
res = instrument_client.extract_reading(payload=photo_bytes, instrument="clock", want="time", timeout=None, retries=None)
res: 8:42
